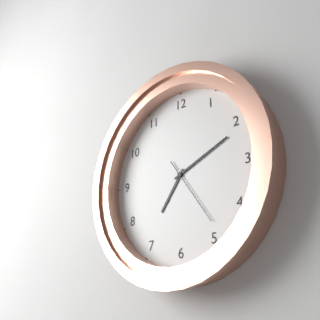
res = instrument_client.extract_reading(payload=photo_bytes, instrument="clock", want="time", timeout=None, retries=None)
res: 7:11:24
